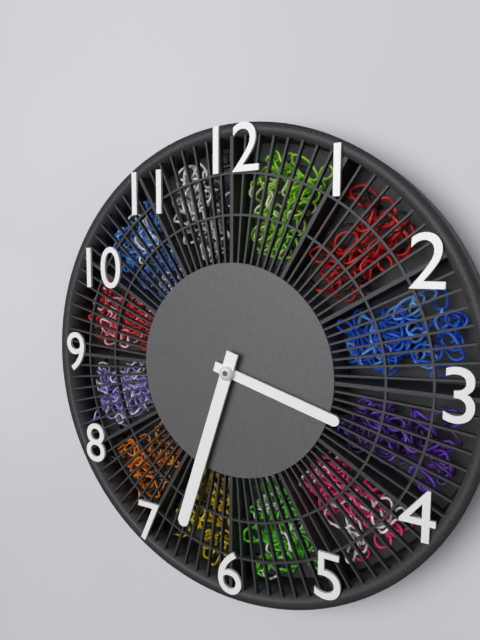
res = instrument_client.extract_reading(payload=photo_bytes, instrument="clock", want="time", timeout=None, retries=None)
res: 3:33
